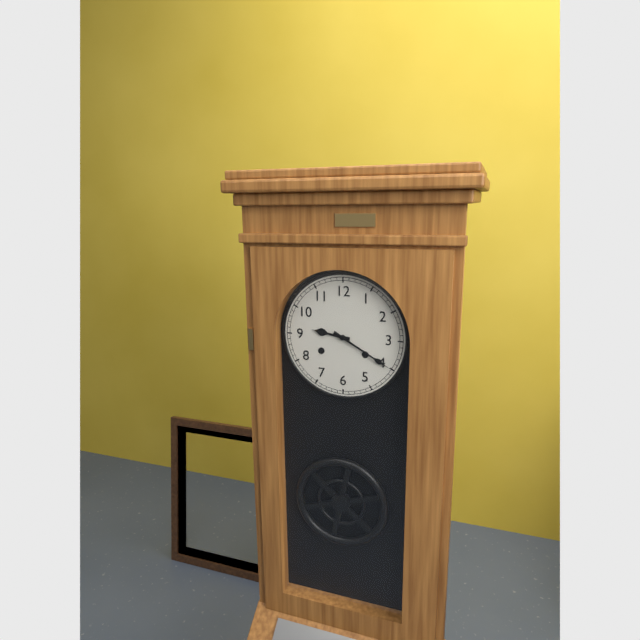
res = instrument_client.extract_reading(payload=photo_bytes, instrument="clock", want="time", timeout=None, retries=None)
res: 9:20
